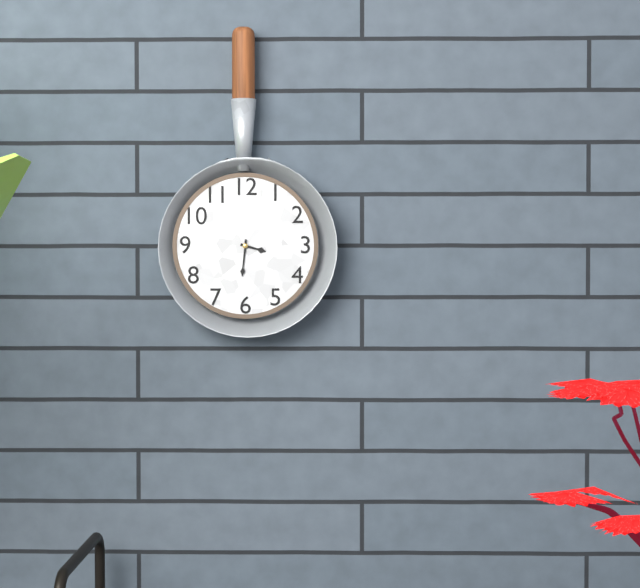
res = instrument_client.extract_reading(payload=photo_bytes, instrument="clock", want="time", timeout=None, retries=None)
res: 3:31
